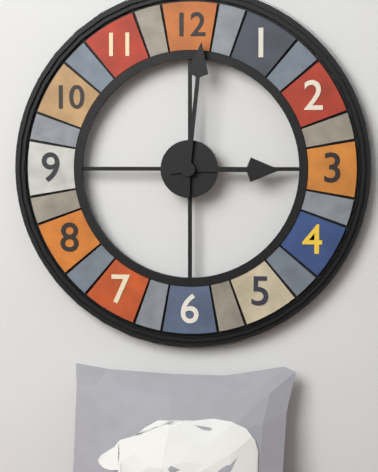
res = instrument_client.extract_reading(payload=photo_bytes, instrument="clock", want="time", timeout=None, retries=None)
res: 3:01
